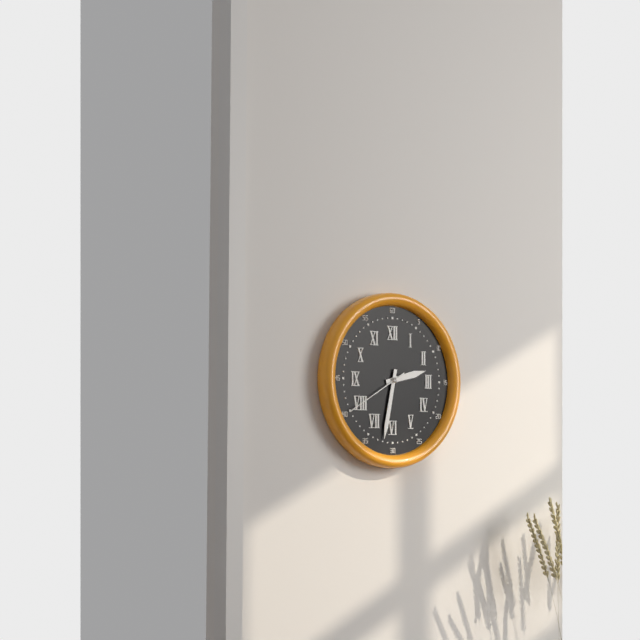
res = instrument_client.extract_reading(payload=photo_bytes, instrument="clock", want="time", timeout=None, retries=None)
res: 2:32:40
